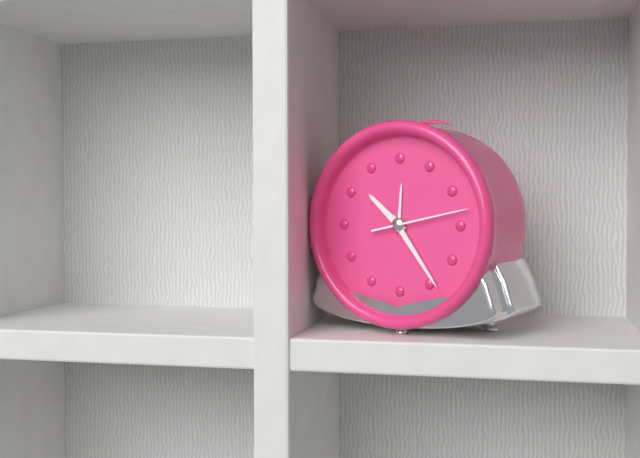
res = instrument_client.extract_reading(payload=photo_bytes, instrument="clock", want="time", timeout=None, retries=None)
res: 10:24:13
